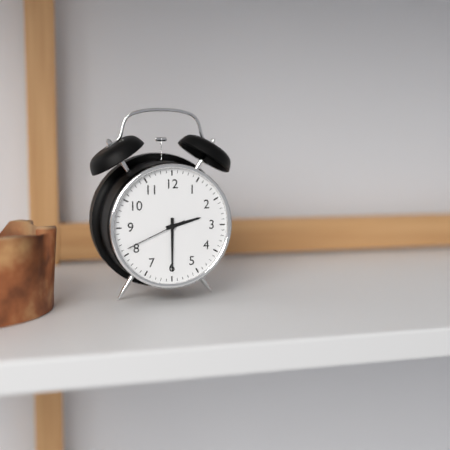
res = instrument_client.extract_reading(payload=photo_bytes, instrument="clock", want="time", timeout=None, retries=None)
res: 2:30:41
